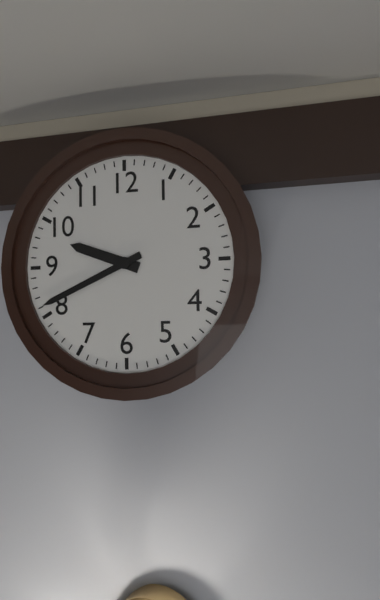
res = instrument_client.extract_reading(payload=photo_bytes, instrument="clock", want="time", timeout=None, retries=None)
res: 9:41
